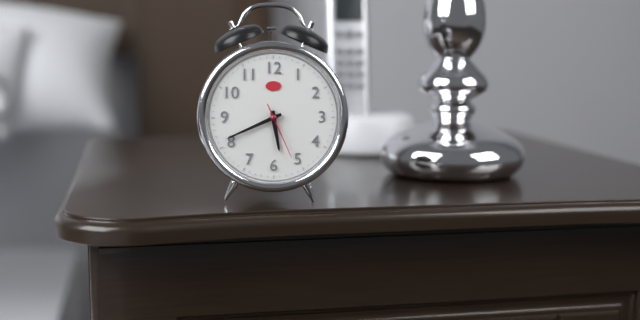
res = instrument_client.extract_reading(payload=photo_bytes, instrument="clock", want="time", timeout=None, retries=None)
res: 5:41:26
